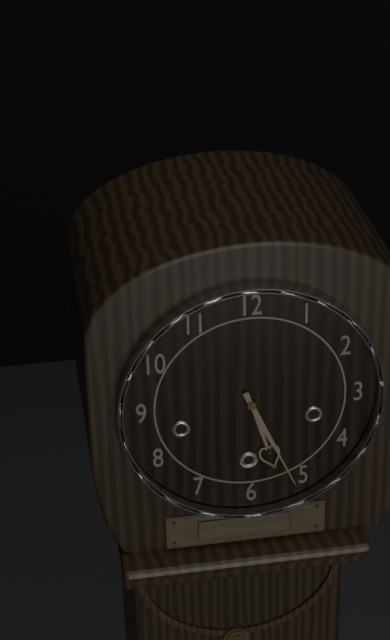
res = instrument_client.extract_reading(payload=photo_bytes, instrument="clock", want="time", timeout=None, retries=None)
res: 5:26
